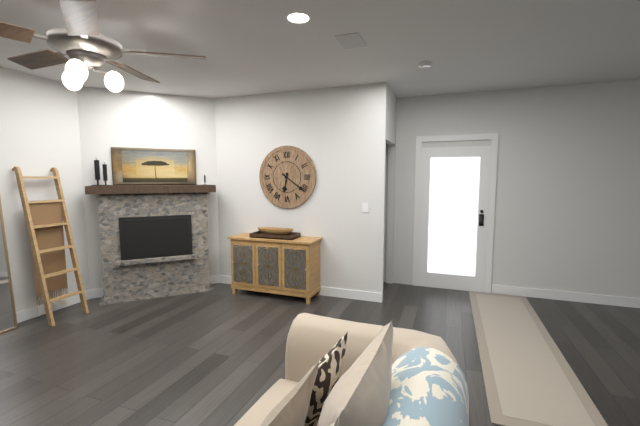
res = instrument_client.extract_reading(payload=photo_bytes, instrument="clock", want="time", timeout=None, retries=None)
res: 6:21
